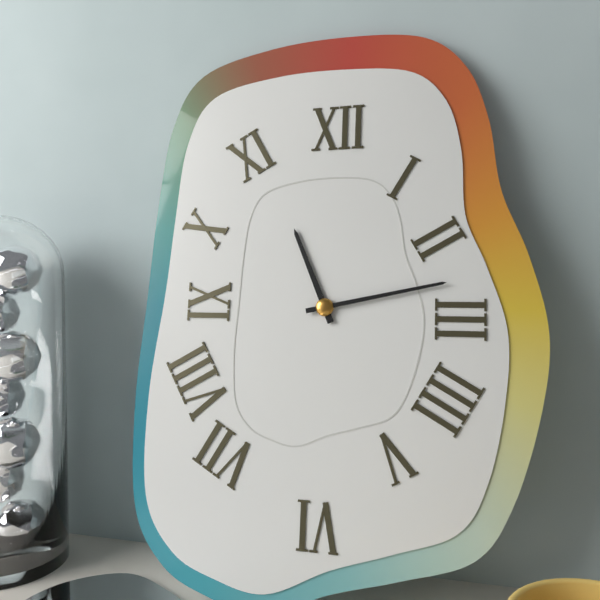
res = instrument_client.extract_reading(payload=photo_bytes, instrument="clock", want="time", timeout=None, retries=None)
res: 11:13
